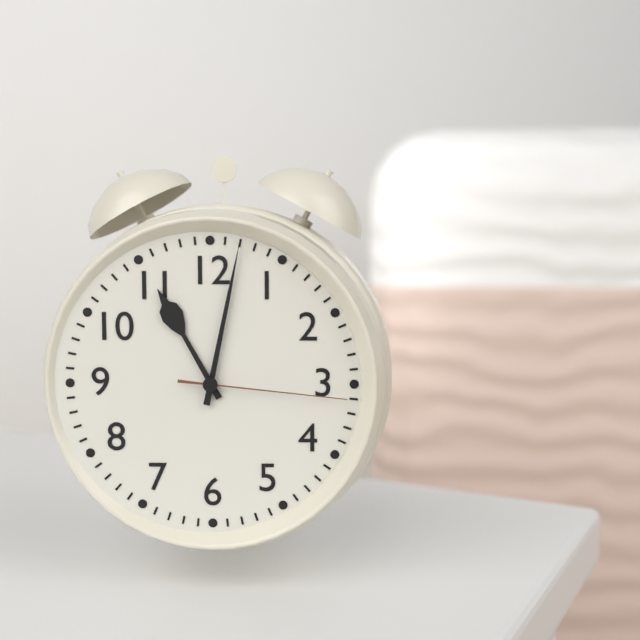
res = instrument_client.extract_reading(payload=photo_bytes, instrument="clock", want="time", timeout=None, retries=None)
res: 11:02:16
